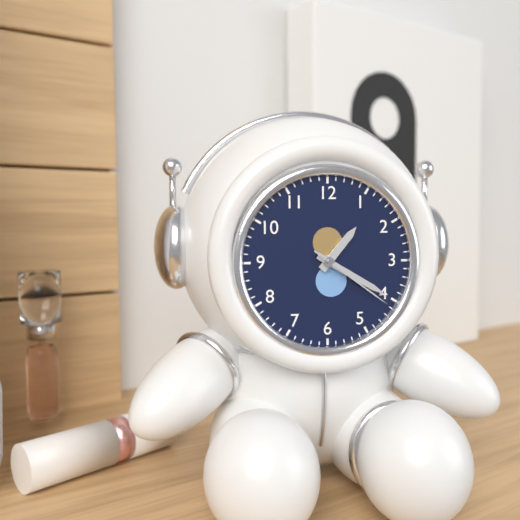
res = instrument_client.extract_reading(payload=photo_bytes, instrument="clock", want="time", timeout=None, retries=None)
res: 1:20:21
